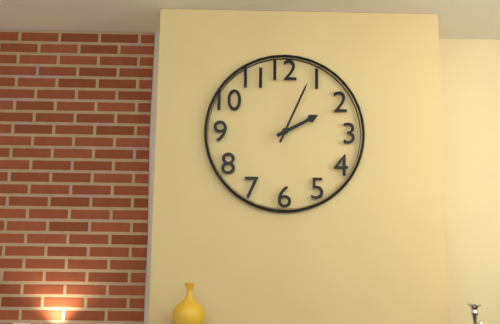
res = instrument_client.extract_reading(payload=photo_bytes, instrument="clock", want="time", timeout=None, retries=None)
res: 2:04
